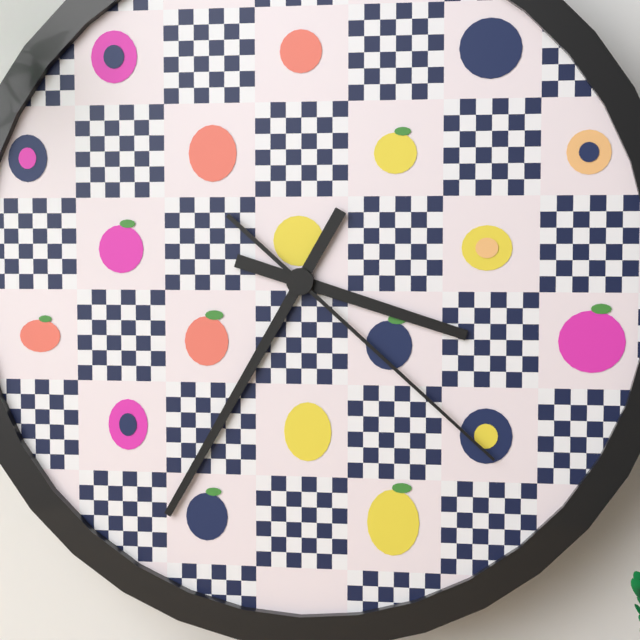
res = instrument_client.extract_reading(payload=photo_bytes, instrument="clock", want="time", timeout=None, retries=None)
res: 3:35:22
